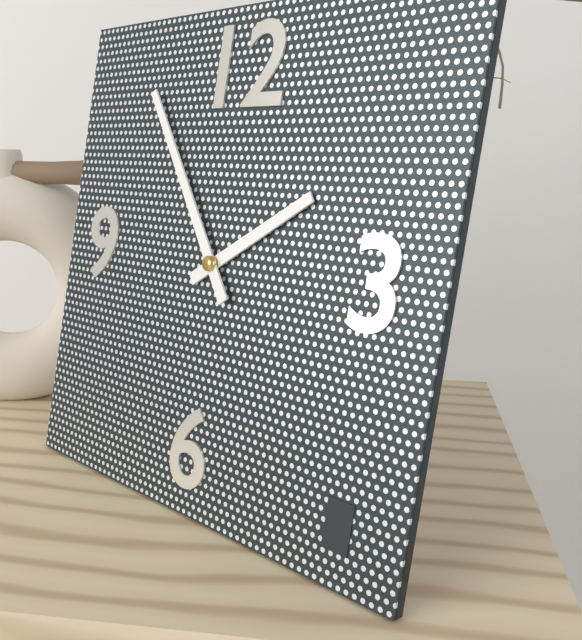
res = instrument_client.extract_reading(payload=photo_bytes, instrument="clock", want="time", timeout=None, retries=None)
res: 1:54
